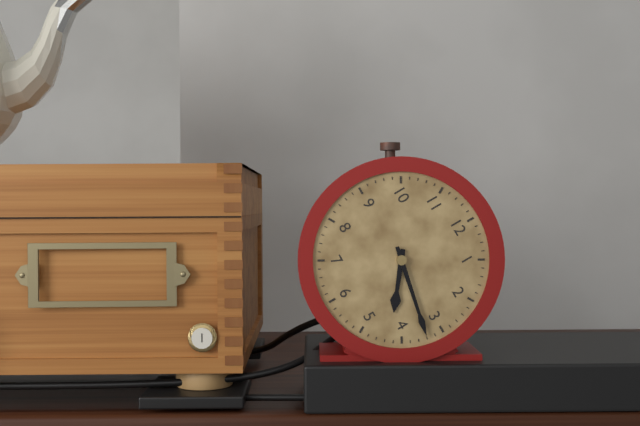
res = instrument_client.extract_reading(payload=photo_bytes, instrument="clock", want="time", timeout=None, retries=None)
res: 4:17
